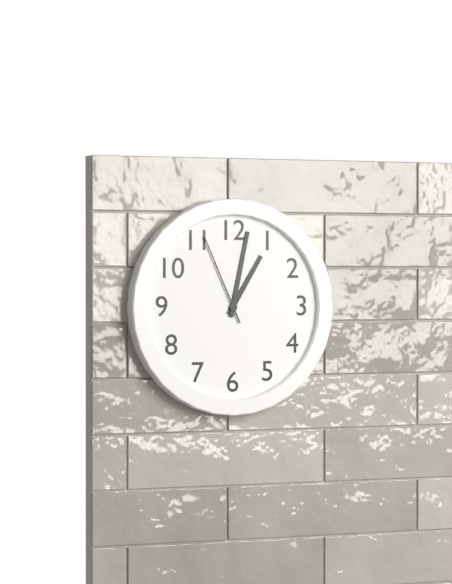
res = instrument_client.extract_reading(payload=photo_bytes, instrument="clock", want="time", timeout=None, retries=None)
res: 1:02:56
